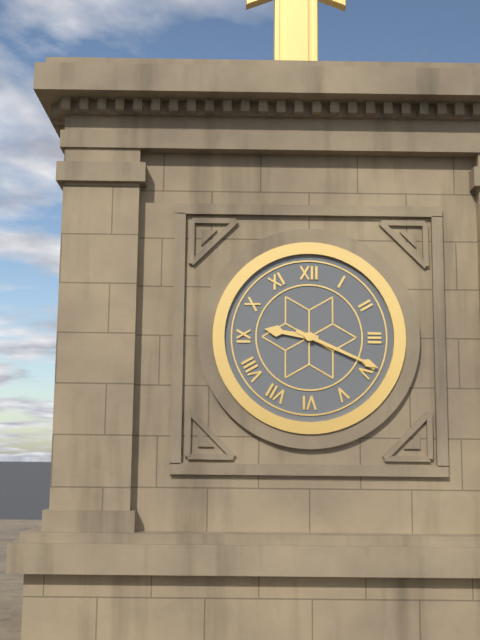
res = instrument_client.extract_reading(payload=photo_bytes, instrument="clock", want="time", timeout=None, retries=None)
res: 9:19
